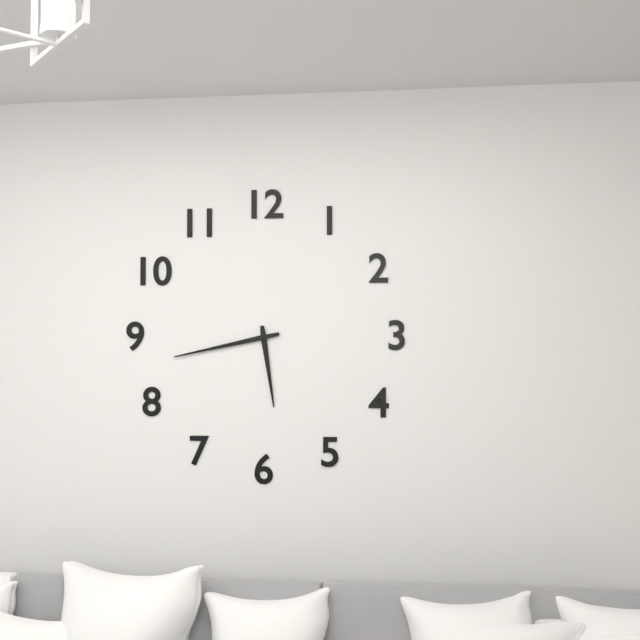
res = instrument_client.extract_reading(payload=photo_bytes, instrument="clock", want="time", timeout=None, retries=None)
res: 5:43
